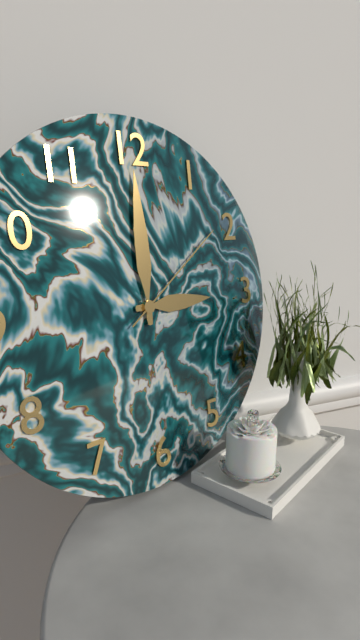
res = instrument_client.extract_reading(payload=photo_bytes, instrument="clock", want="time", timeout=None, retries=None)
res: 3:00:09
